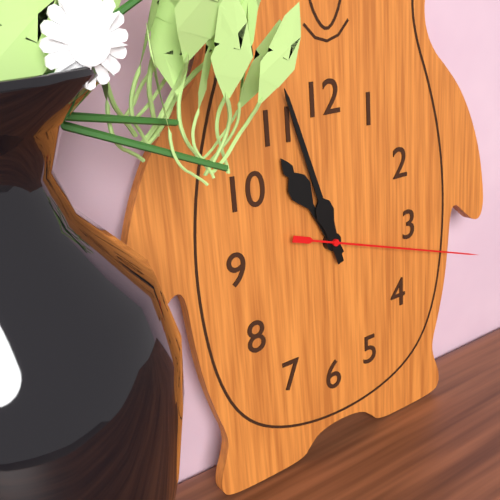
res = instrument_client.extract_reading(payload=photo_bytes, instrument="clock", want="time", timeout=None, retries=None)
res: 10:57:18
